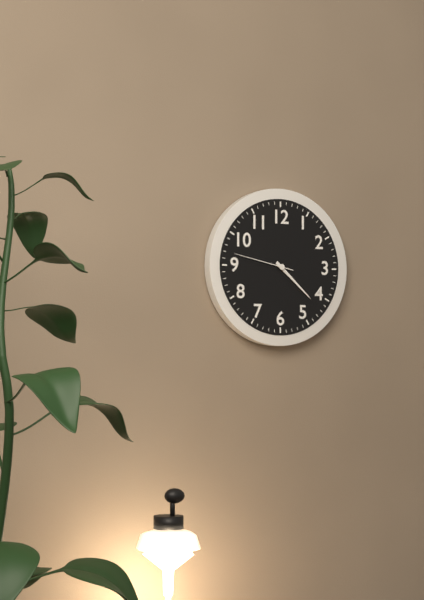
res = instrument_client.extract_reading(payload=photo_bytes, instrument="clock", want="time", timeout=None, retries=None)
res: 4:22:47
